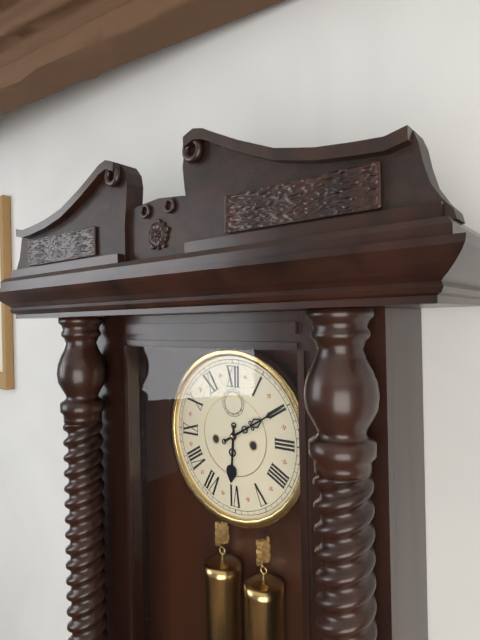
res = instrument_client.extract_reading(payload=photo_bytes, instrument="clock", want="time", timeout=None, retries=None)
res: 6:10
